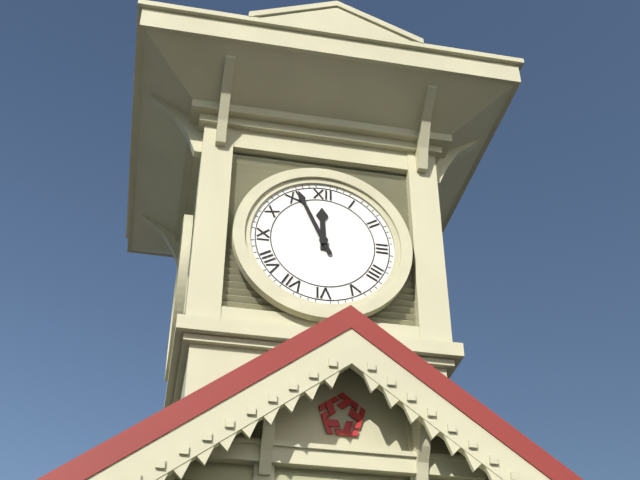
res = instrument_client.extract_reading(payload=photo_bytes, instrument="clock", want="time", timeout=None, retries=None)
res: 11:56
